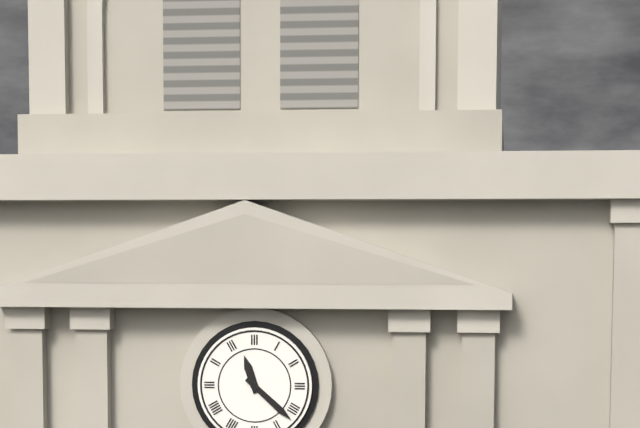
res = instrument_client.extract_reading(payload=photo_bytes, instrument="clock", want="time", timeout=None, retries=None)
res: 11:22
